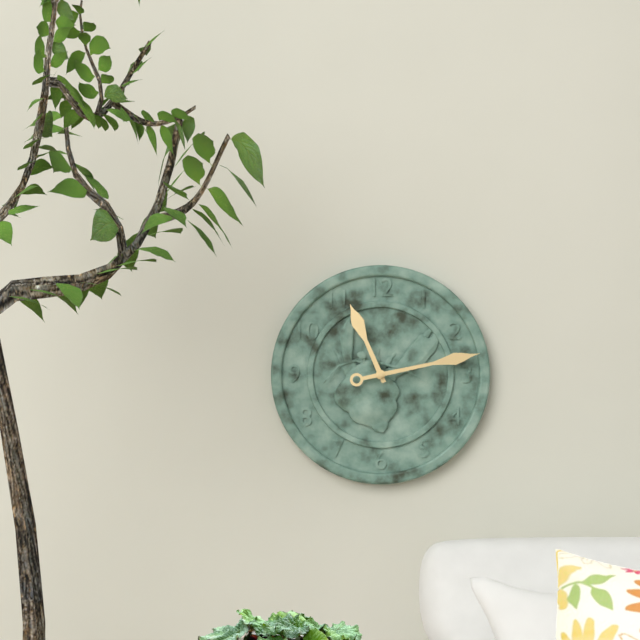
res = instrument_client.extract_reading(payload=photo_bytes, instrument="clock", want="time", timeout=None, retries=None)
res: 11:13
